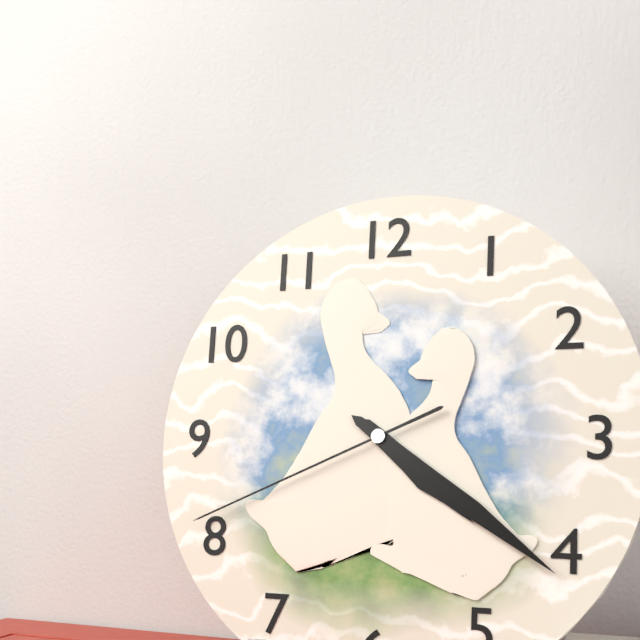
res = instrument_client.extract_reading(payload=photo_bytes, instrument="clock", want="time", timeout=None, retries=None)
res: 4:21:41
